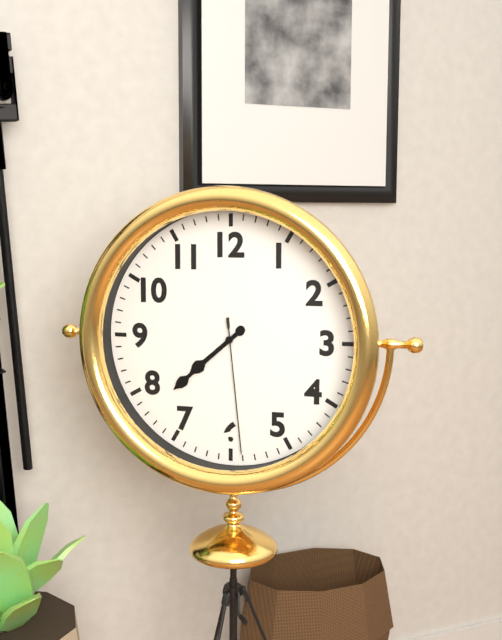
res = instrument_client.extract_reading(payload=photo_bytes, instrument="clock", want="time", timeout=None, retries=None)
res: 7:38:29
